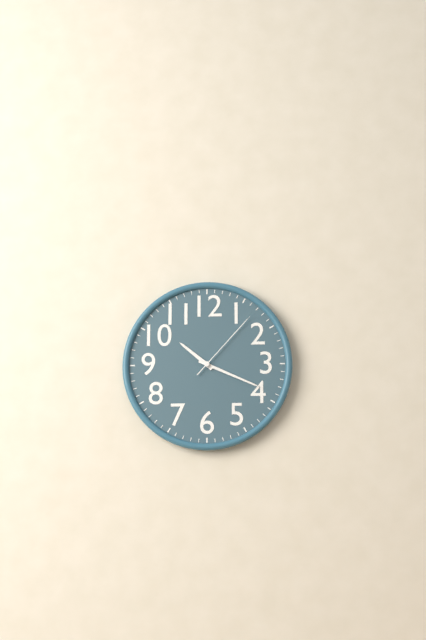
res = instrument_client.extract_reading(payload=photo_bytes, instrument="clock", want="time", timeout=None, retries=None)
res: 10:19:07
